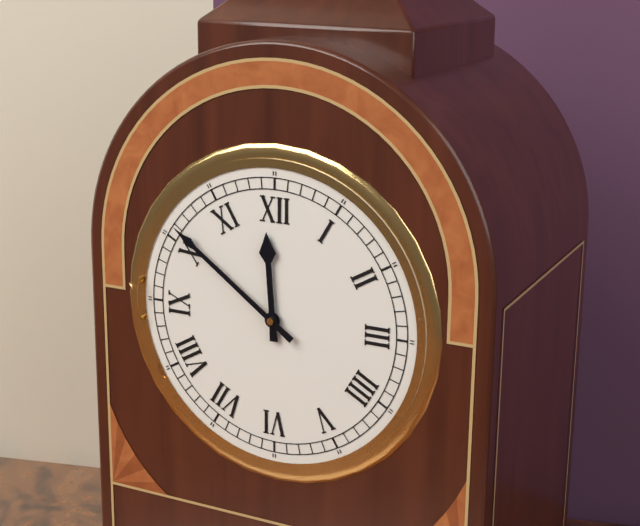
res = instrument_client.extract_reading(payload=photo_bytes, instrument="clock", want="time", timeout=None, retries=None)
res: 11:51
